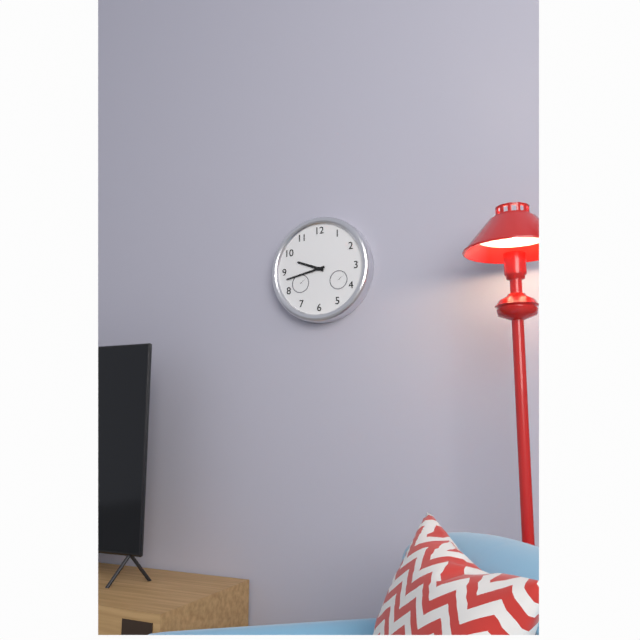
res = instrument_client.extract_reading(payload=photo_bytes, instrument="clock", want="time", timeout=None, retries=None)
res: 9:43
